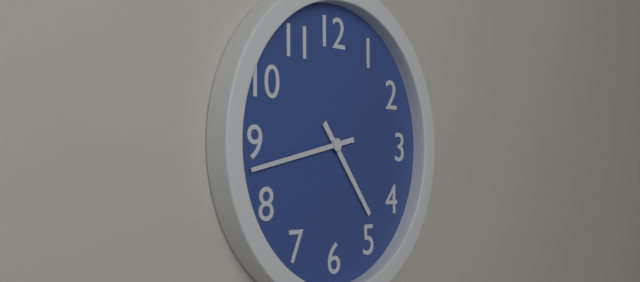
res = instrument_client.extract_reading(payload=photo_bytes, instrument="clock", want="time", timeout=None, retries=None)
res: 4:43
